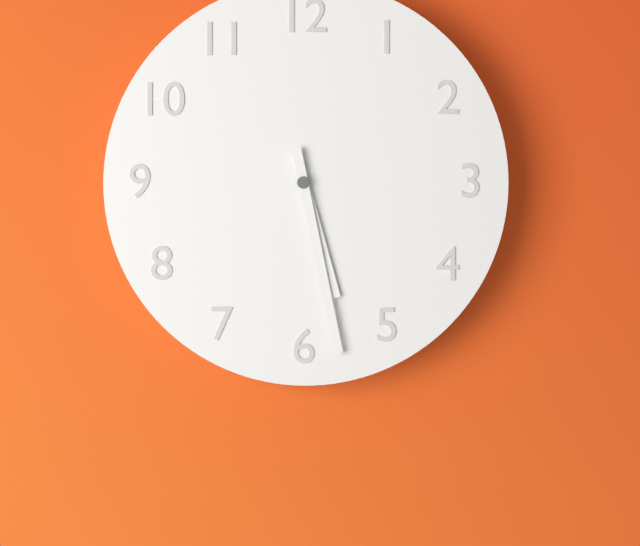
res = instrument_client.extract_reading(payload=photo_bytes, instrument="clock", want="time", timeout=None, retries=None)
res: 5:28
